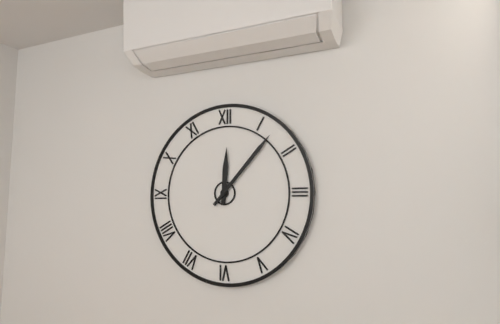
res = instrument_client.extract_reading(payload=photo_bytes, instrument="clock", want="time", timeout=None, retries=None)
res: 12:07
